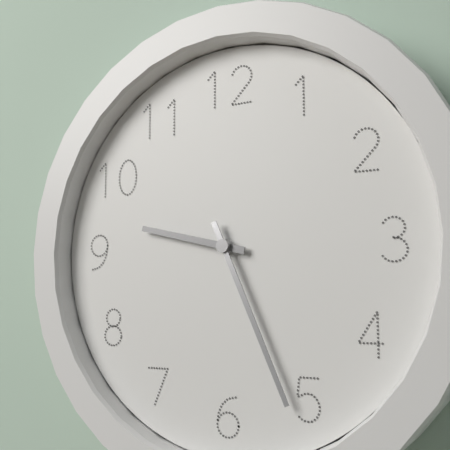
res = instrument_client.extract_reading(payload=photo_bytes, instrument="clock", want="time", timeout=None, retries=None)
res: 9:26
